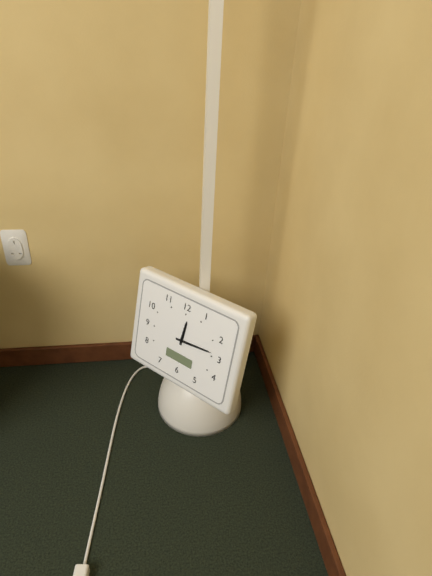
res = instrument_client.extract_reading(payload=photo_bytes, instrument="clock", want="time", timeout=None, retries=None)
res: 12:14
